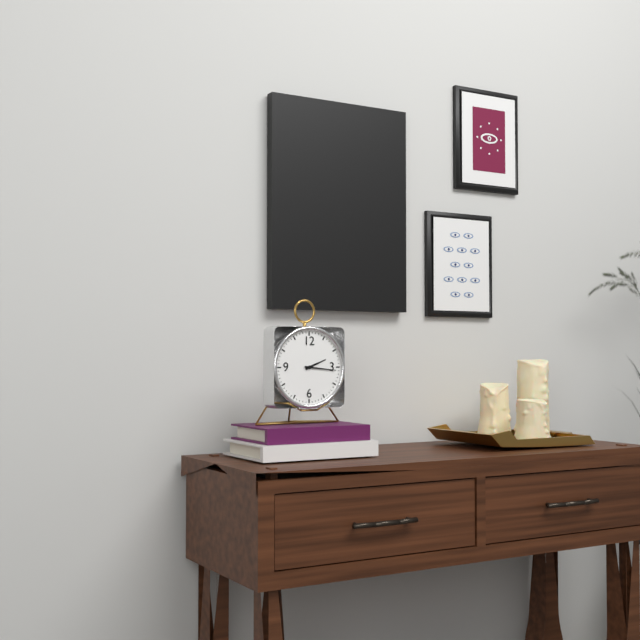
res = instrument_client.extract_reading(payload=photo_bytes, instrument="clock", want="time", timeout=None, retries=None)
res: 2:16
